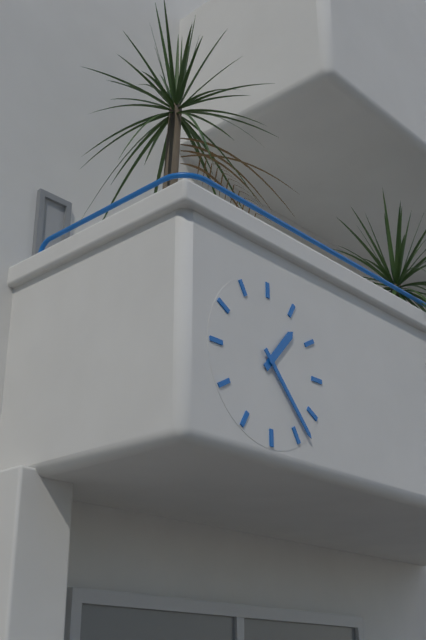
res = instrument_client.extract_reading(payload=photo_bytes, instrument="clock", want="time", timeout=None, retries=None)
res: 1:23
